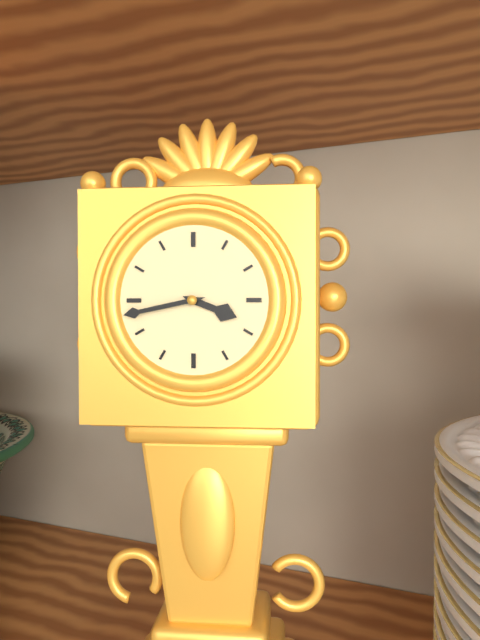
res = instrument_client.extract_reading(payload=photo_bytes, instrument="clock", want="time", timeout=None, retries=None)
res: 3:43
